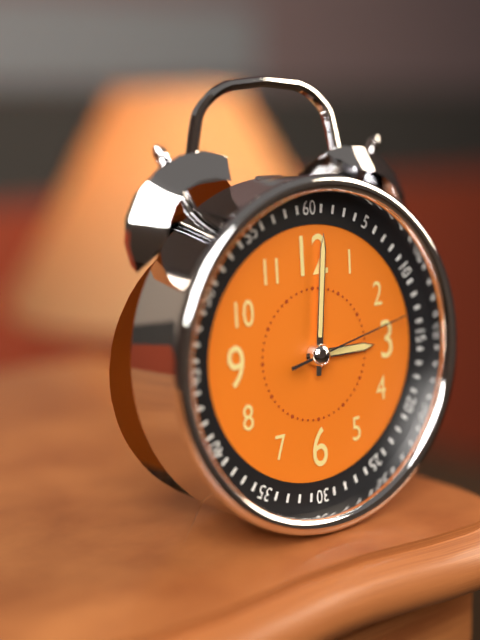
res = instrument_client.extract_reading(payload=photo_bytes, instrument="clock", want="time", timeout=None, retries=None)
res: 3:01:13
